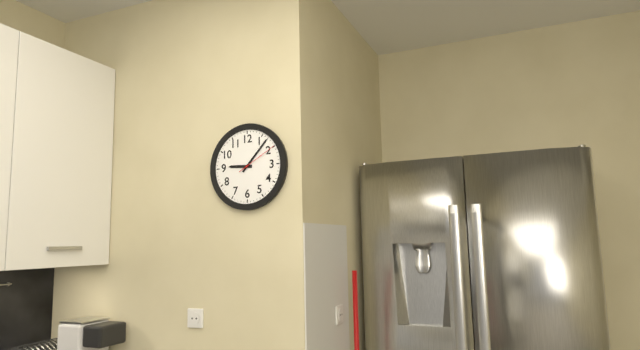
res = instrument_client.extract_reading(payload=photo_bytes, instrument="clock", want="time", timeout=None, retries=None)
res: 9:07
